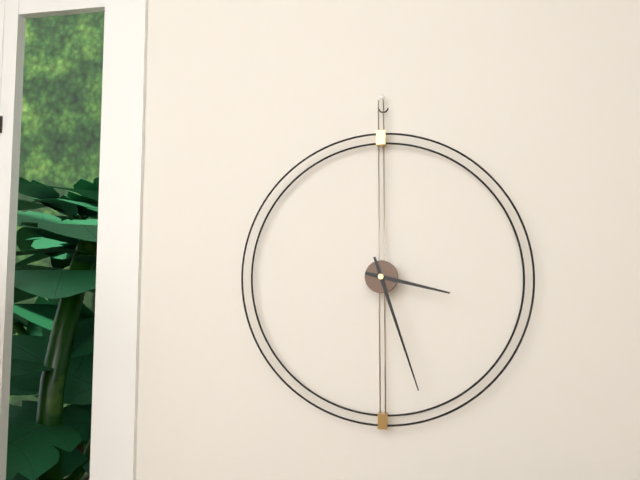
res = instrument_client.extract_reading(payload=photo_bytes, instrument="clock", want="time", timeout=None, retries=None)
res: 3:27
